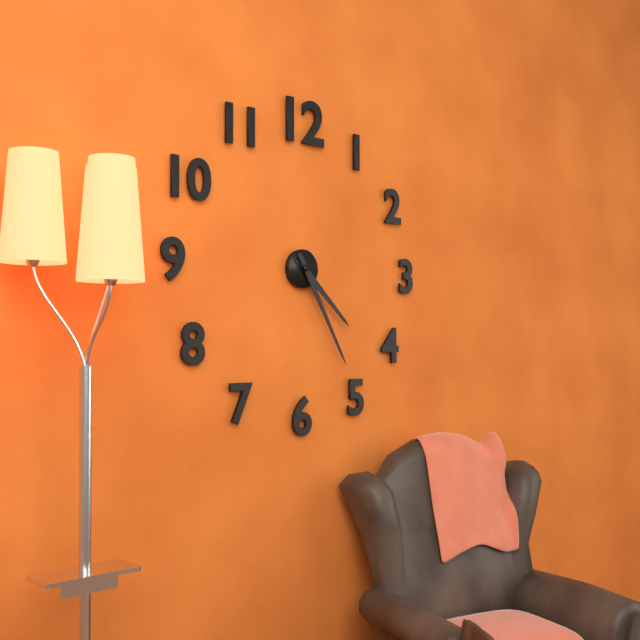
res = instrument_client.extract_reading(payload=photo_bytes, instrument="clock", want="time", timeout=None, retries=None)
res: 4:25
